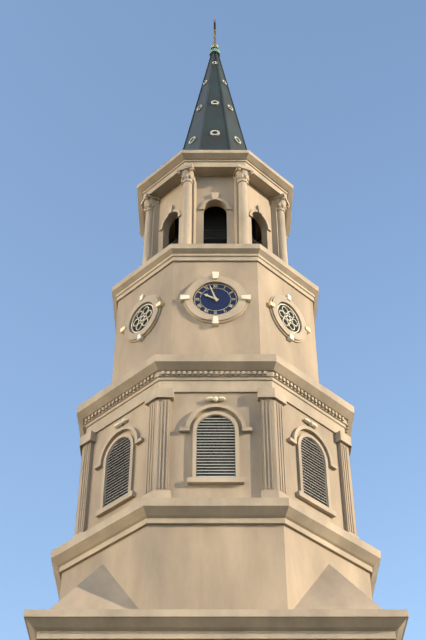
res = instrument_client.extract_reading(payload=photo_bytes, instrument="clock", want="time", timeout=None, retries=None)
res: 9:57
